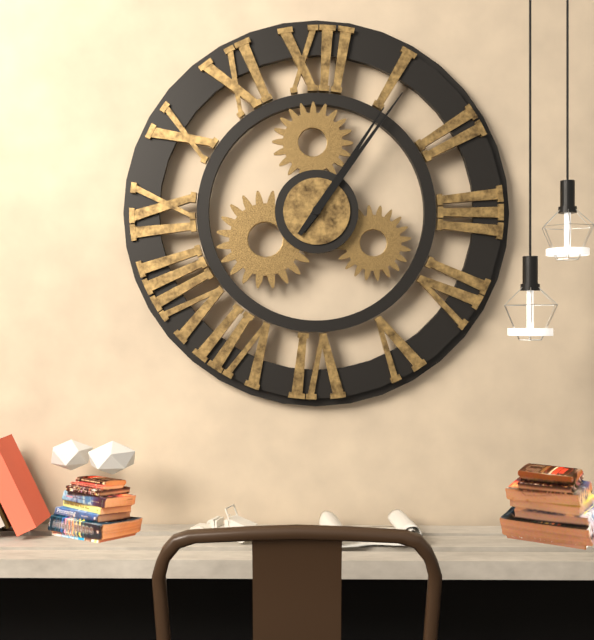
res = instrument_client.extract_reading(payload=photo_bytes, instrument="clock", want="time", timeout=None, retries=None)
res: 1:06
